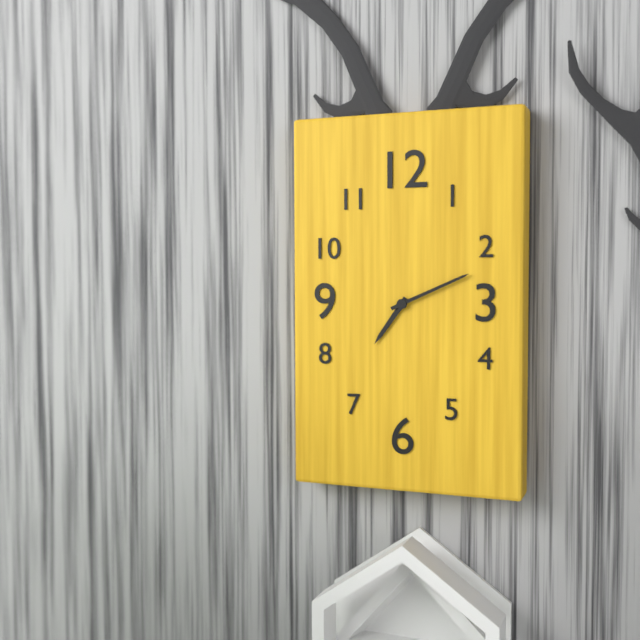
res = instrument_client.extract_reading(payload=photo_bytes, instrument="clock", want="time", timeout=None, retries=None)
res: 7:11
